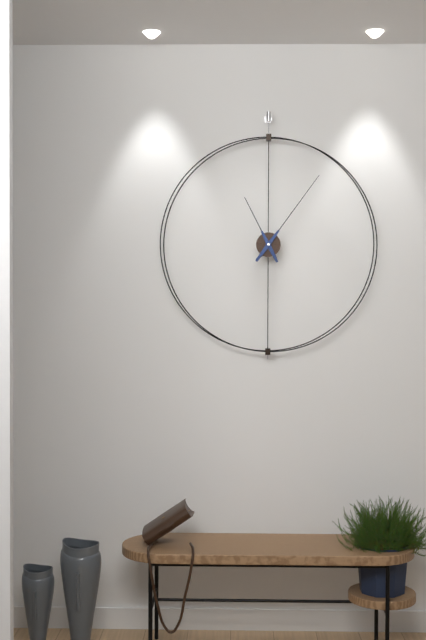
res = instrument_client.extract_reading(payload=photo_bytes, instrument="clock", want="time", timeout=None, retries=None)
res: 11:06
